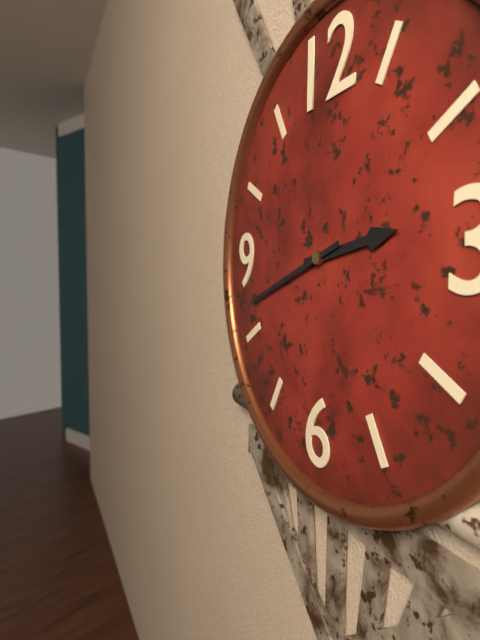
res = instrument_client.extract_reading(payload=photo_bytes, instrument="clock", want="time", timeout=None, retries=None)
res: 2:42
